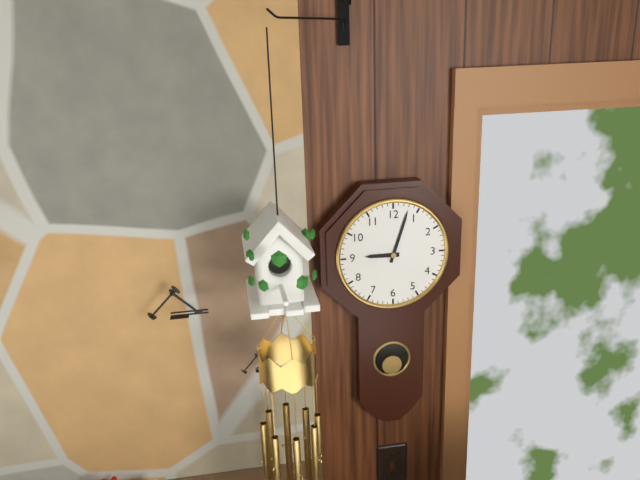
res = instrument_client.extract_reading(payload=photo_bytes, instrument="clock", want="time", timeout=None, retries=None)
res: 9:03
